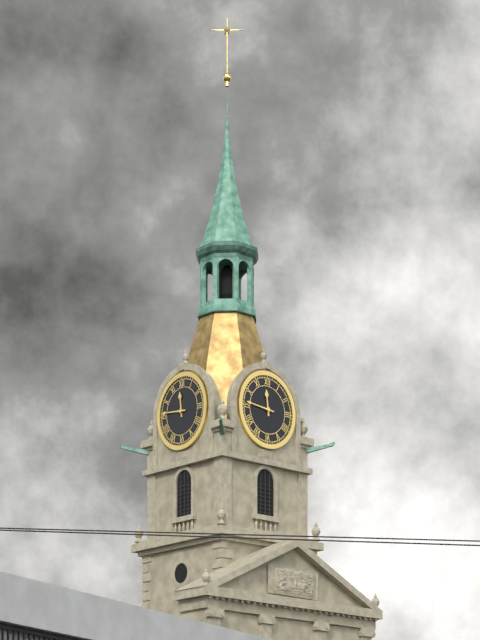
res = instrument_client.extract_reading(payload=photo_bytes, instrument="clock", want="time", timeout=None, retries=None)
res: 11:46
